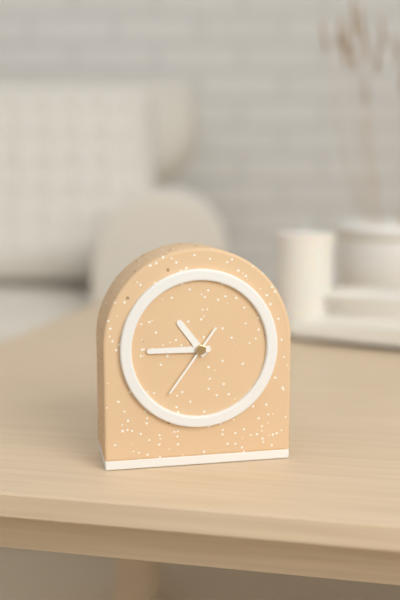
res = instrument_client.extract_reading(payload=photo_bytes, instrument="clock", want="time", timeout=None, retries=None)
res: 10:45:36
